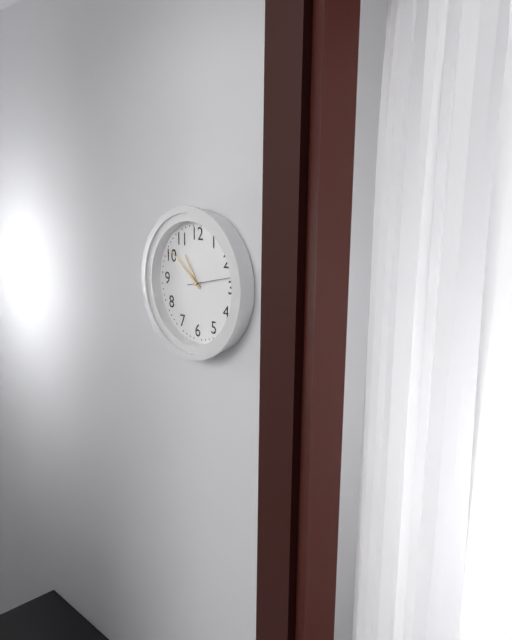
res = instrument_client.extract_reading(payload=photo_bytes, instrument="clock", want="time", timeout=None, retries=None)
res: 10:51
